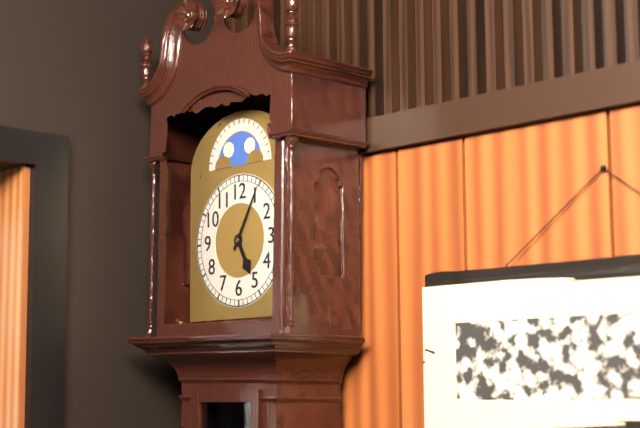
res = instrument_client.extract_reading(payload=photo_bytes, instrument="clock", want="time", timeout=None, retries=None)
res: 5:05
